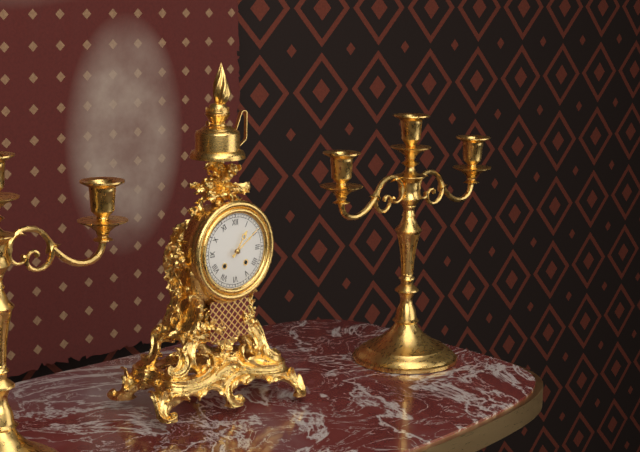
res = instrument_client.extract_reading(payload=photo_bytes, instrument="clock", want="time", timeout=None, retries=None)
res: 1:09
